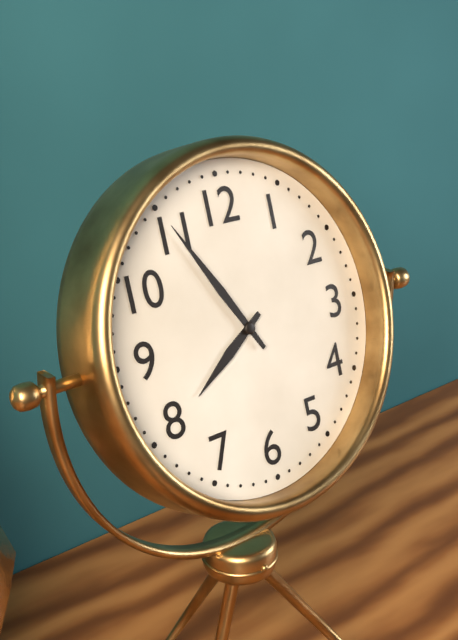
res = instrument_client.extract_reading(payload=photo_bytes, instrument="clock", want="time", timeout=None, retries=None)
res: 7:55
